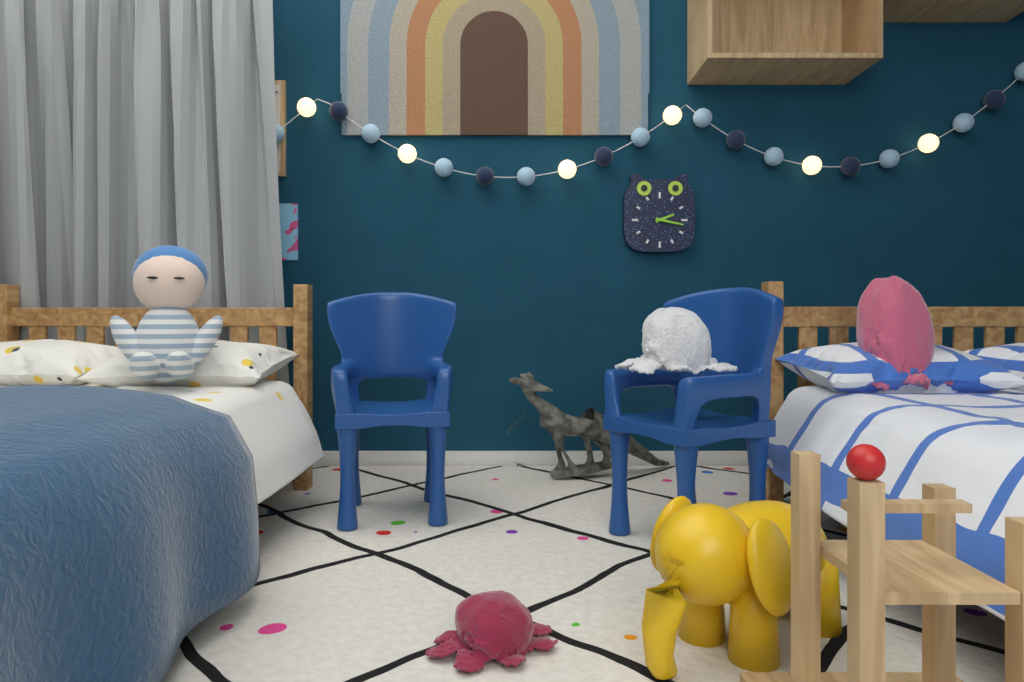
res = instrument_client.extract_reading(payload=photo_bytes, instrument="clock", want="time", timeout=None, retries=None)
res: 2:17
